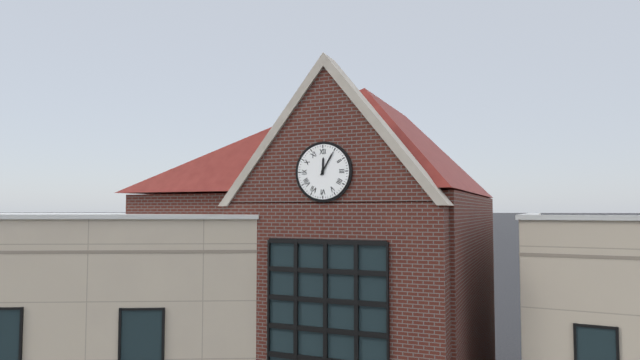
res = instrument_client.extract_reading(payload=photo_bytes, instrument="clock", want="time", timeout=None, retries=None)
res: 12:05
